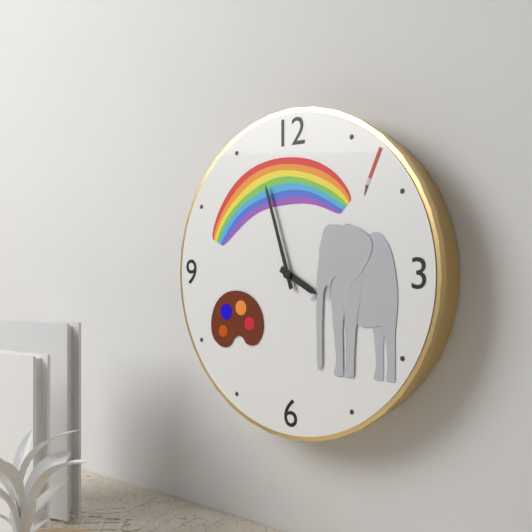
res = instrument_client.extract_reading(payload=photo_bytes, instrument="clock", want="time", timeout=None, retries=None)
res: 3:57
